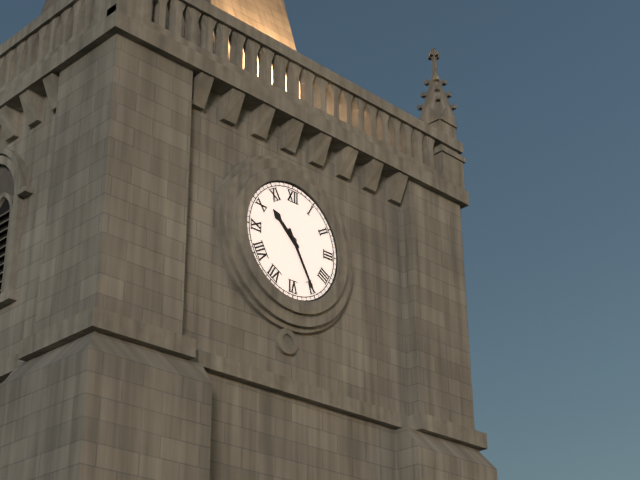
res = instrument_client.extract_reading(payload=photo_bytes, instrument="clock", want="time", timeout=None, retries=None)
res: 10:25
